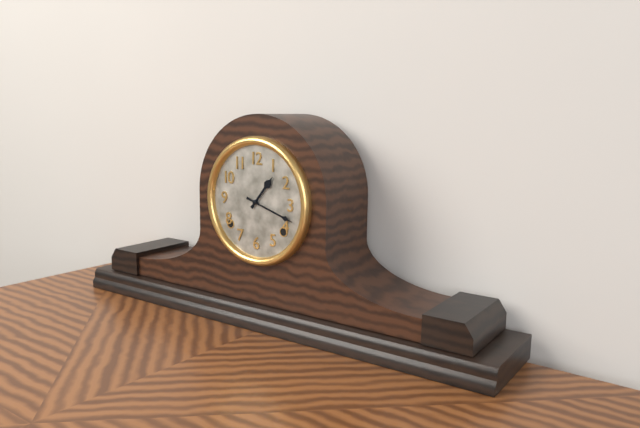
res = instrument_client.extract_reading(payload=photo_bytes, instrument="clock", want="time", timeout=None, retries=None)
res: 1:18
